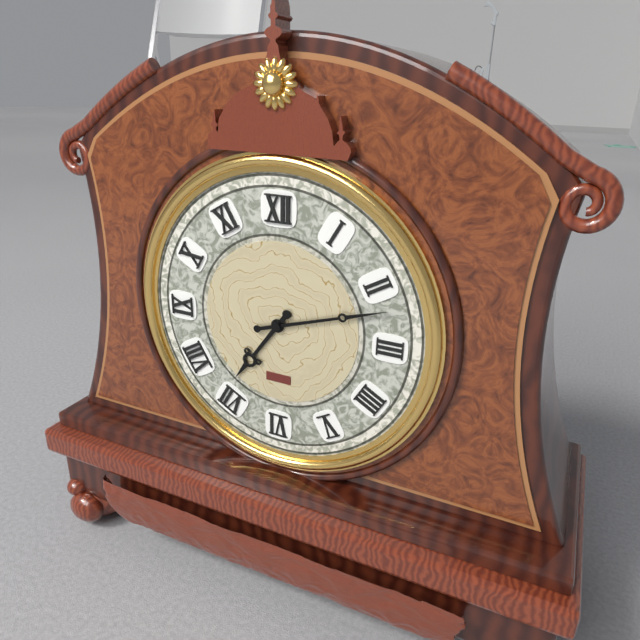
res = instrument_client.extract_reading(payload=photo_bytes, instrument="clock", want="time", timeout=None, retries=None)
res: 7:12
